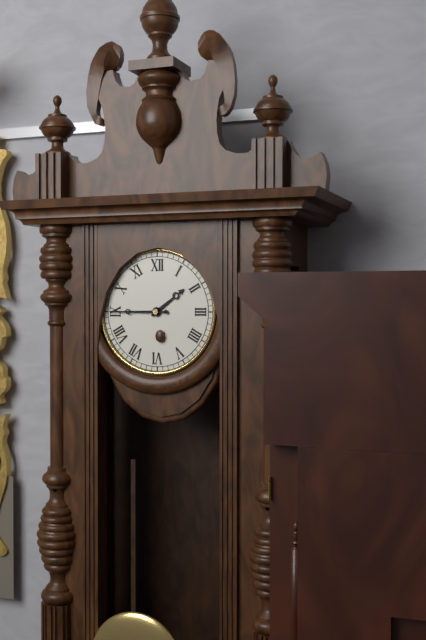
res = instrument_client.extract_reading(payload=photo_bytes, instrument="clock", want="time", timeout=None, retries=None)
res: 1:45
